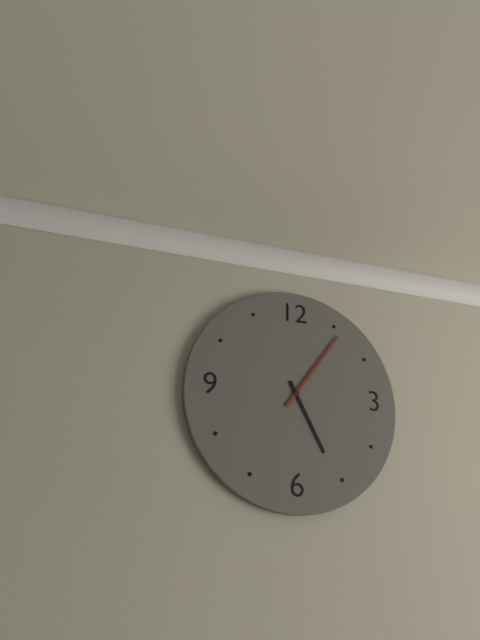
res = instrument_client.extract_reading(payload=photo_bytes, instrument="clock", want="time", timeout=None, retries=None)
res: 5:06
